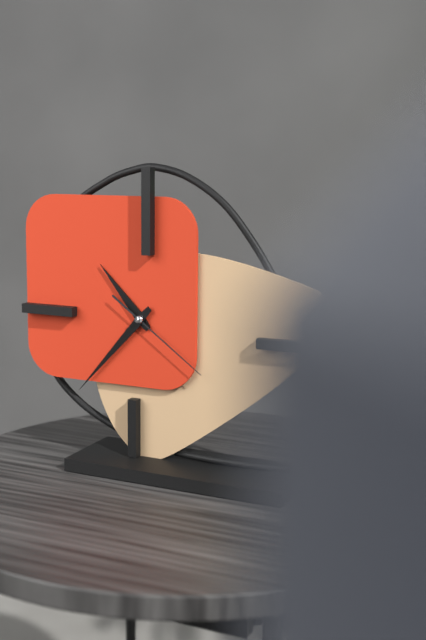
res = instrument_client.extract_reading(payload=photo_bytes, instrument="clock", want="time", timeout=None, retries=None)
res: 10:37:21
